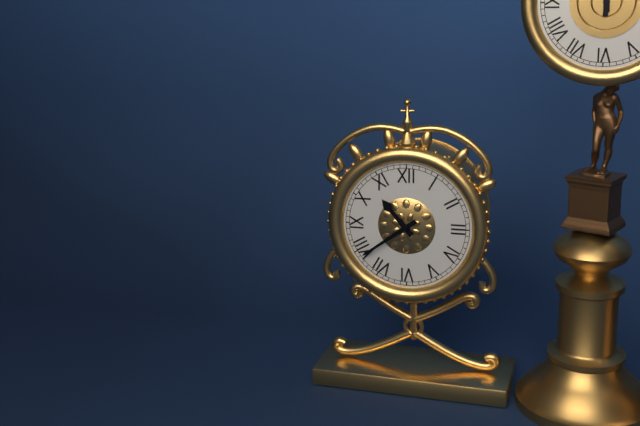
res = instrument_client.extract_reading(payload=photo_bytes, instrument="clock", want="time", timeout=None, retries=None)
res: 10:39
